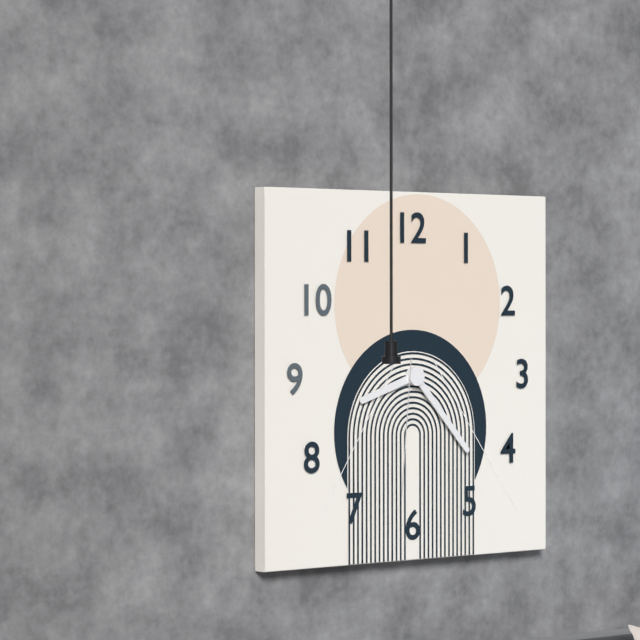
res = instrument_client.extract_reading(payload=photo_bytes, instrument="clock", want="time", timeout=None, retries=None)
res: 8:23
